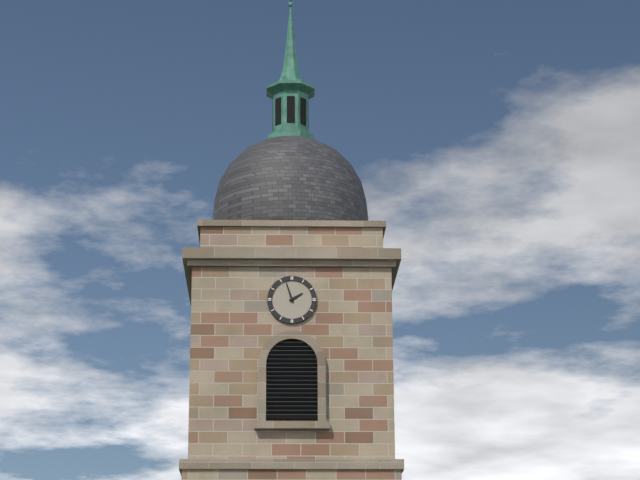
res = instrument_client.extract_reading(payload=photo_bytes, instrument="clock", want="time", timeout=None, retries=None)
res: 1:57
